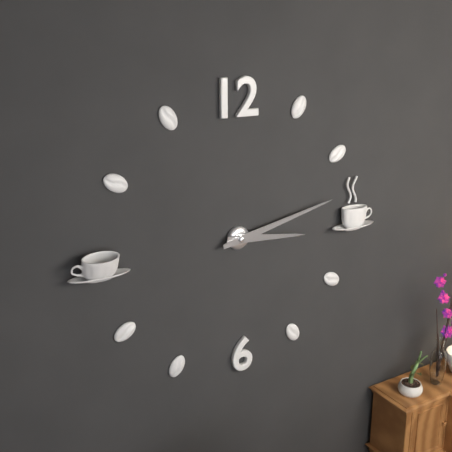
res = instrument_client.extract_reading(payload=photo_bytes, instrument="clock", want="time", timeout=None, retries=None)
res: 3:13
